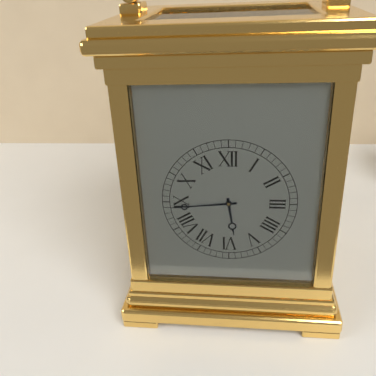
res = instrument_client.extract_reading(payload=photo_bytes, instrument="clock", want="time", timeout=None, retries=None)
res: 5:44
